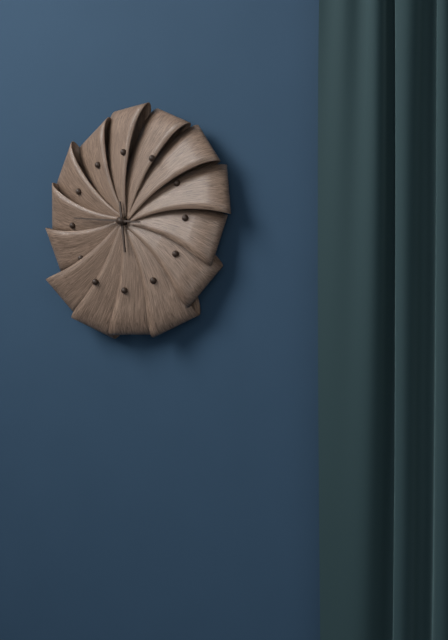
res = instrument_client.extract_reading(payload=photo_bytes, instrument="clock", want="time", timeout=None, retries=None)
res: 5:46
